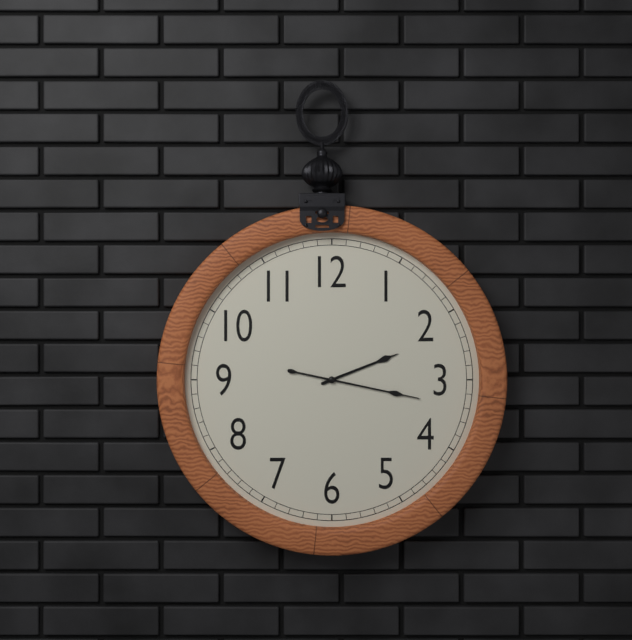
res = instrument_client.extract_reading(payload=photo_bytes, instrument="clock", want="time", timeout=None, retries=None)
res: 2:17
